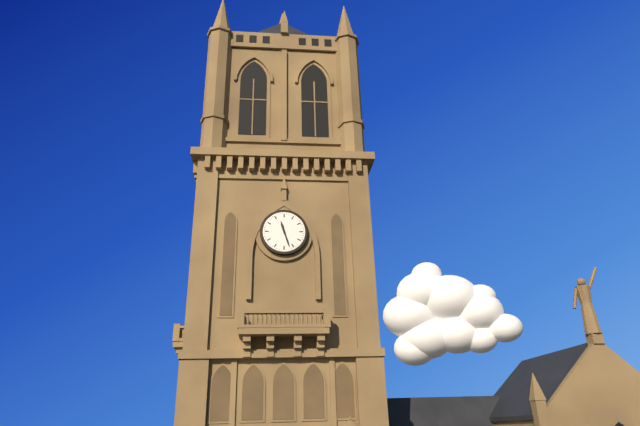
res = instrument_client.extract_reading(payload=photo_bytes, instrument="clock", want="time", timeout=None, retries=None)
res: 11:27
